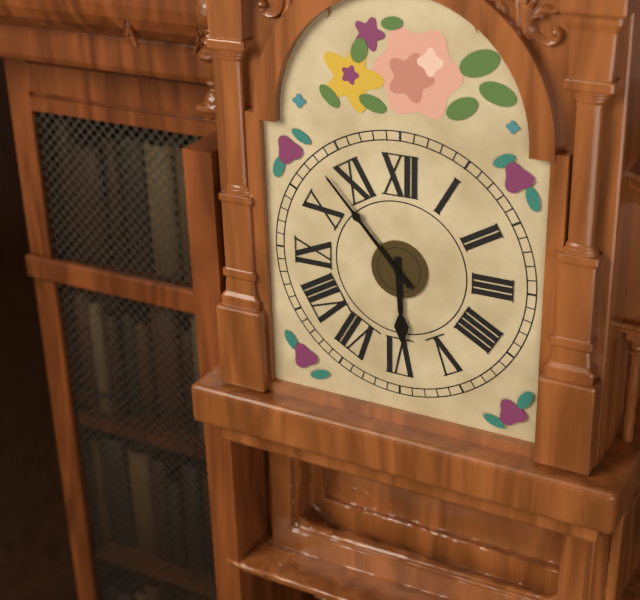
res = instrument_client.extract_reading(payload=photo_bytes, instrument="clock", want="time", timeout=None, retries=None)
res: 5:53
